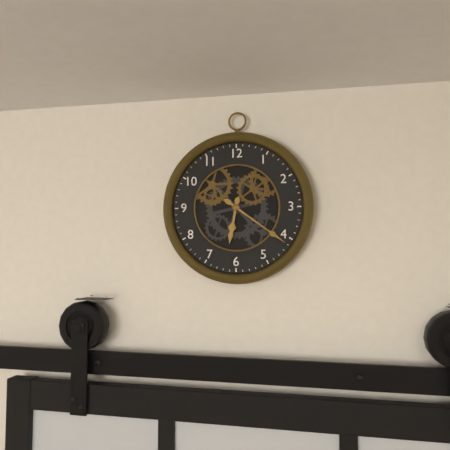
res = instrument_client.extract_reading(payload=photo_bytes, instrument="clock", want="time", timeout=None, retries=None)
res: 6:21
